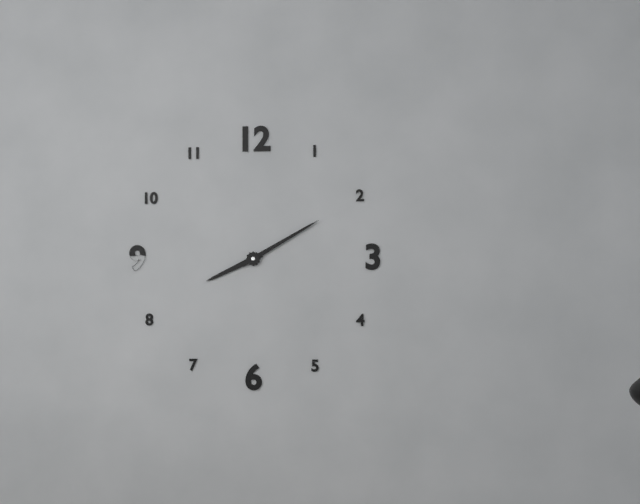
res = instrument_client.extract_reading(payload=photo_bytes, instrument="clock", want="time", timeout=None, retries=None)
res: 8:10
